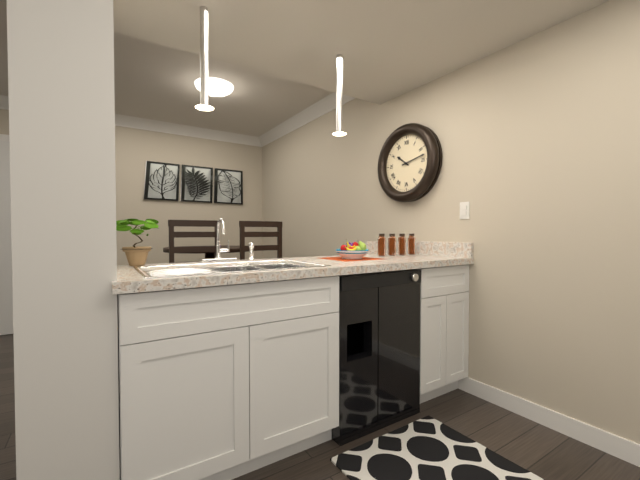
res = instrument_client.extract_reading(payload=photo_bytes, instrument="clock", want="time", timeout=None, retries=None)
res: 10:13
